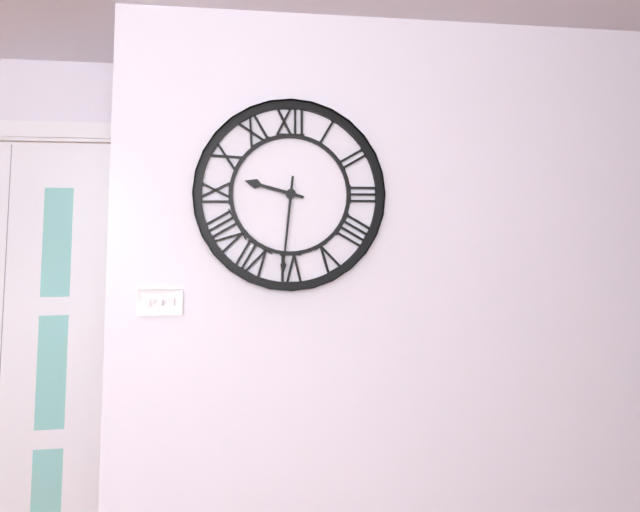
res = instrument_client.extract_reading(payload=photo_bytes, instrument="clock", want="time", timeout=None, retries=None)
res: 9:31
